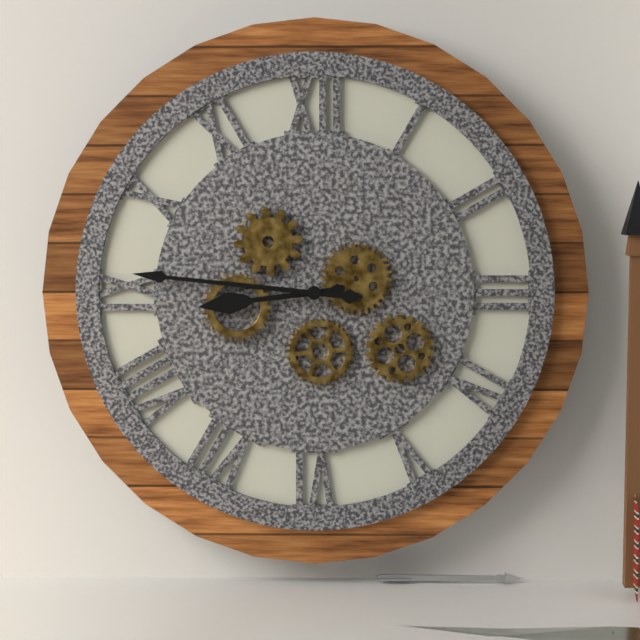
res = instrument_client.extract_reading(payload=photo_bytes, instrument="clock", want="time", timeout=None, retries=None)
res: 8:46
